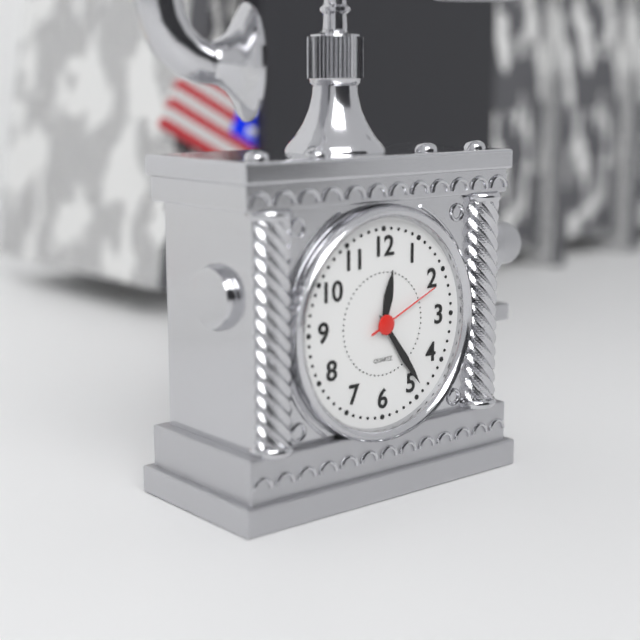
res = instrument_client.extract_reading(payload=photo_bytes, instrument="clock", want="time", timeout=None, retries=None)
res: 12:24:11
